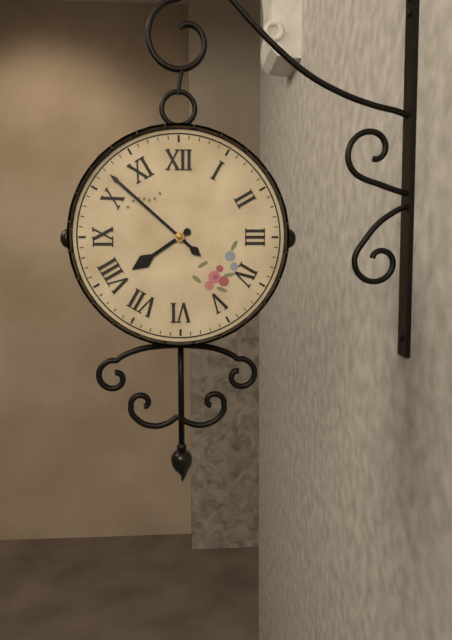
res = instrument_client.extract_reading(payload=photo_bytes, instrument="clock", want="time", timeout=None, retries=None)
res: 7:52
